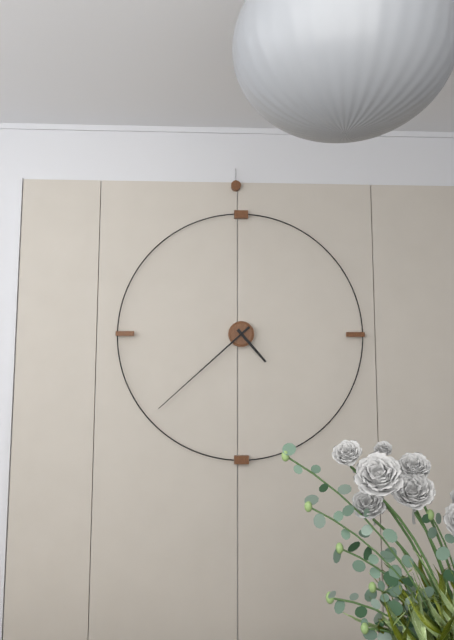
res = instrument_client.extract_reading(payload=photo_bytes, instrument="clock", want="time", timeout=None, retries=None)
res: 4:38
